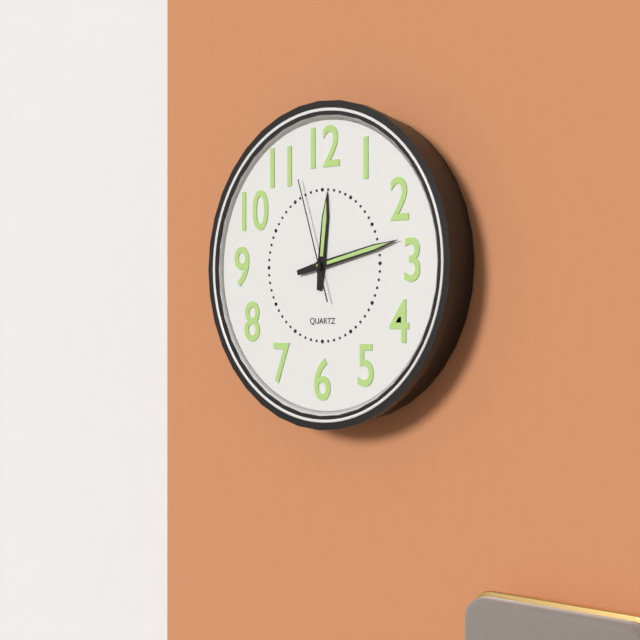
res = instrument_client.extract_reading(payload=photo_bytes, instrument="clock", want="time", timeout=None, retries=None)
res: 12:13:57
